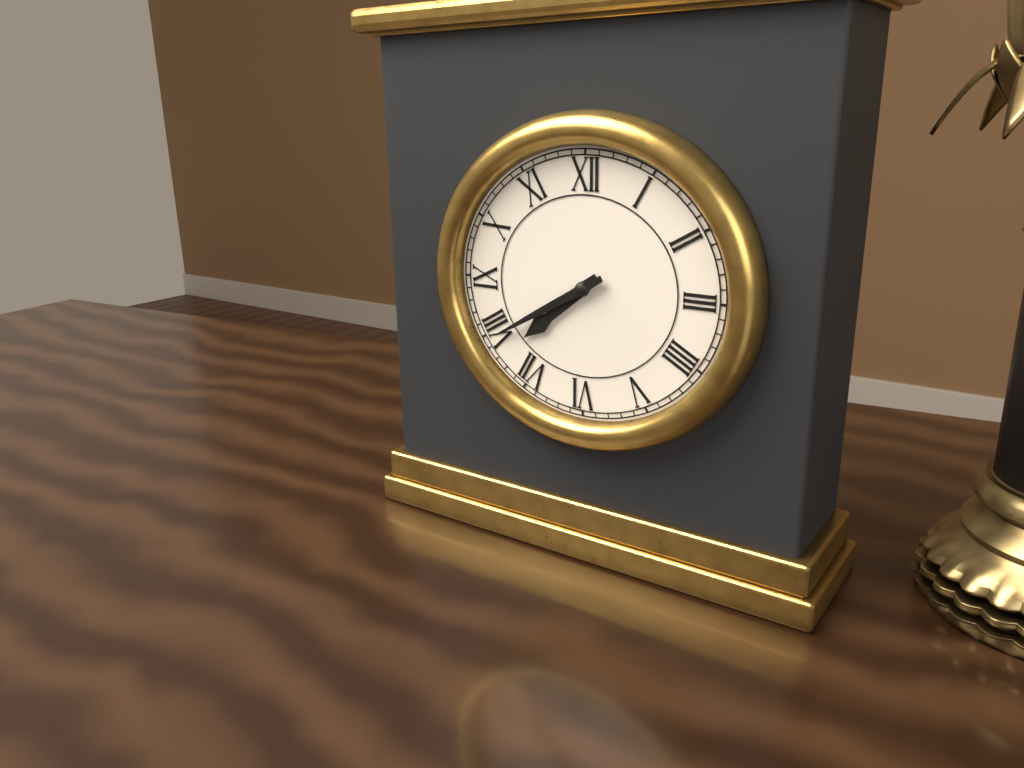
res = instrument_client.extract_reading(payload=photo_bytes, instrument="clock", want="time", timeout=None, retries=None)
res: 7:40
